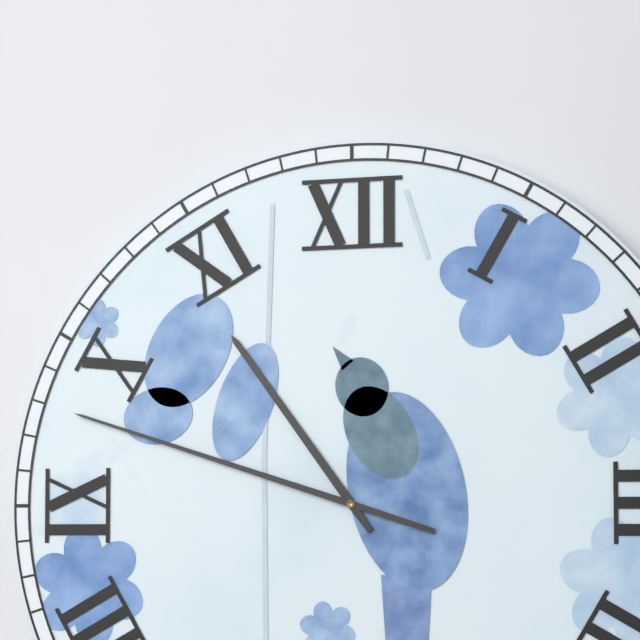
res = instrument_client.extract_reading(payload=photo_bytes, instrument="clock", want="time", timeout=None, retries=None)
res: 10:48
